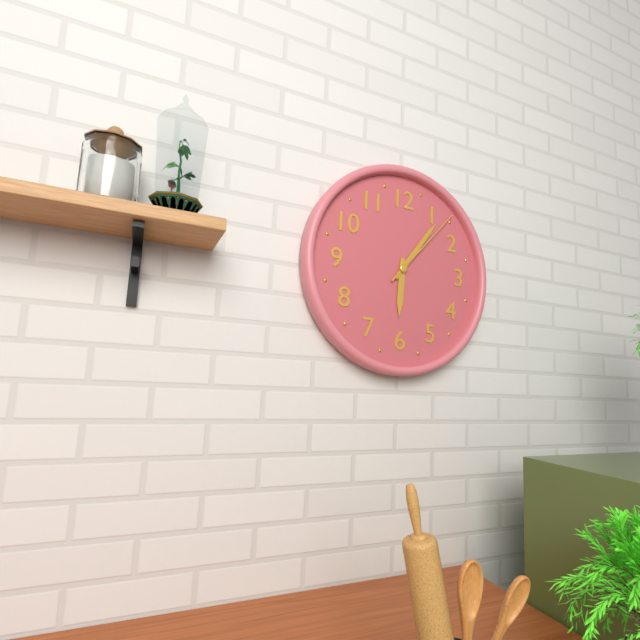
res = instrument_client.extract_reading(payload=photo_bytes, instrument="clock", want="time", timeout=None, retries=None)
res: 6:06:07
